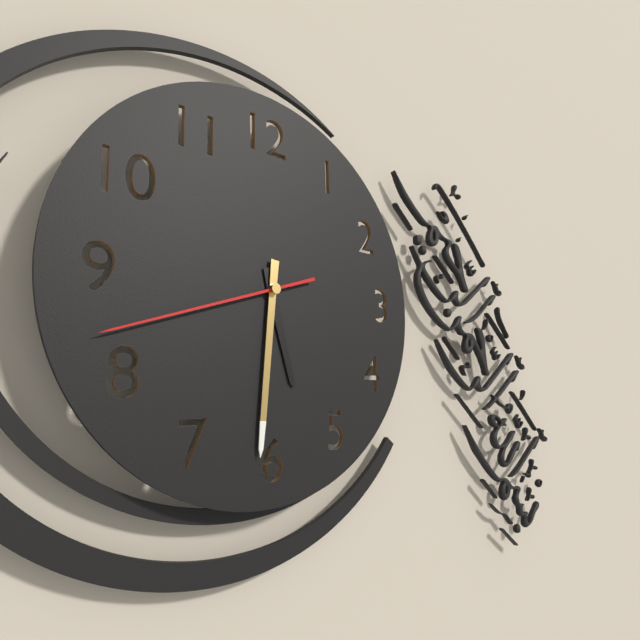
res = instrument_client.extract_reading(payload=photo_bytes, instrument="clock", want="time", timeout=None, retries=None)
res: 5:31:42
